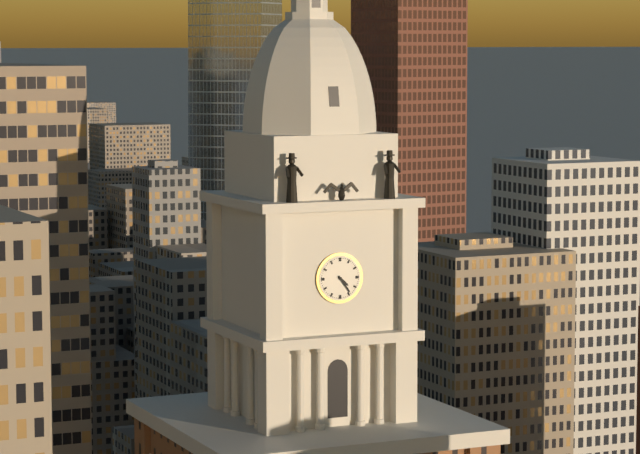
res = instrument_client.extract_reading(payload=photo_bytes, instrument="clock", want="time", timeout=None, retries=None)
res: 4:24
